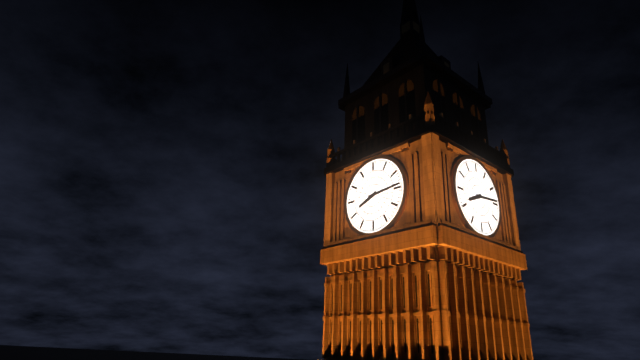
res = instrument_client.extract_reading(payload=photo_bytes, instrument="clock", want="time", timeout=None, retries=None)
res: 8:14
